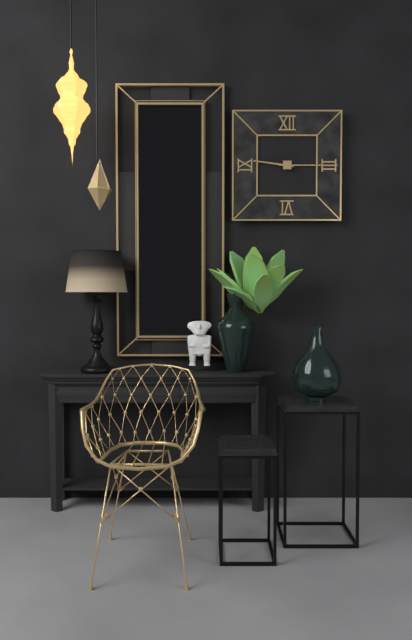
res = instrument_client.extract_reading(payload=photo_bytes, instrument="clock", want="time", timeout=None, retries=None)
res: 9:15
